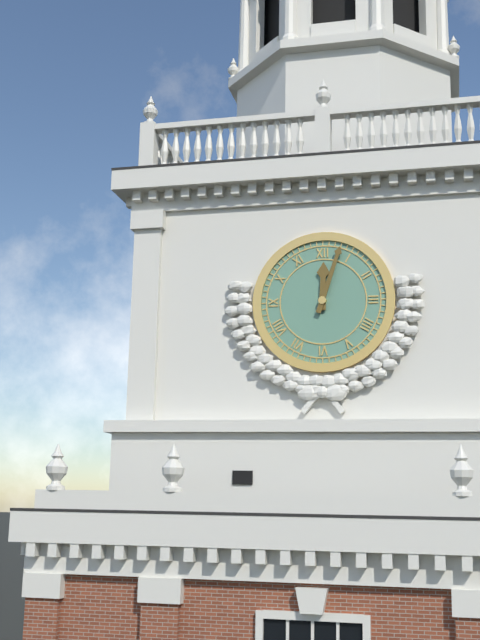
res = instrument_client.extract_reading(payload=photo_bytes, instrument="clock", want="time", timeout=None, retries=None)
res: 12:03
